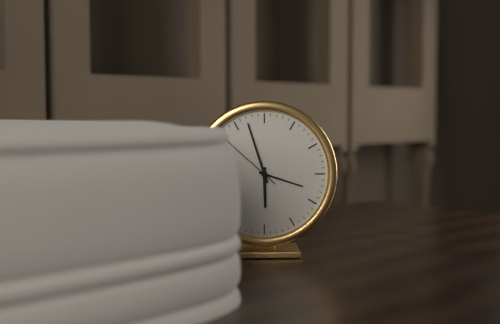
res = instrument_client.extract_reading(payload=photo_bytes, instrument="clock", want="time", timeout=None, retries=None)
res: 5:57:52
